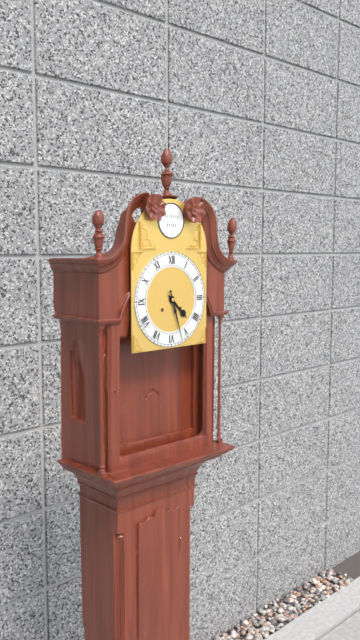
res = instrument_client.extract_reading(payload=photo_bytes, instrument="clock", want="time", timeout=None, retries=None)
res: 4:27
